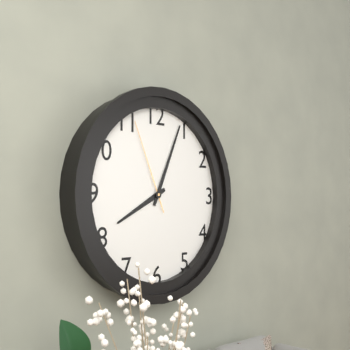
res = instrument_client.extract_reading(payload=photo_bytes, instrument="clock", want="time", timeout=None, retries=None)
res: 8:04:56
